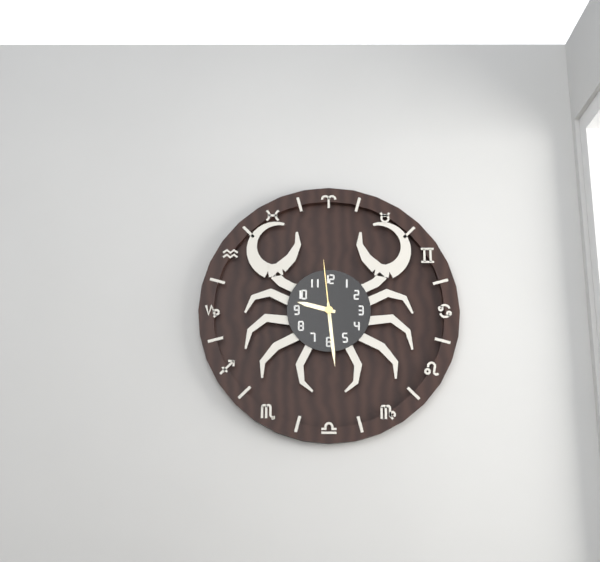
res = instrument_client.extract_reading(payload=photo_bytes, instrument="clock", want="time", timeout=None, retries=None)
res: 9:29:59
